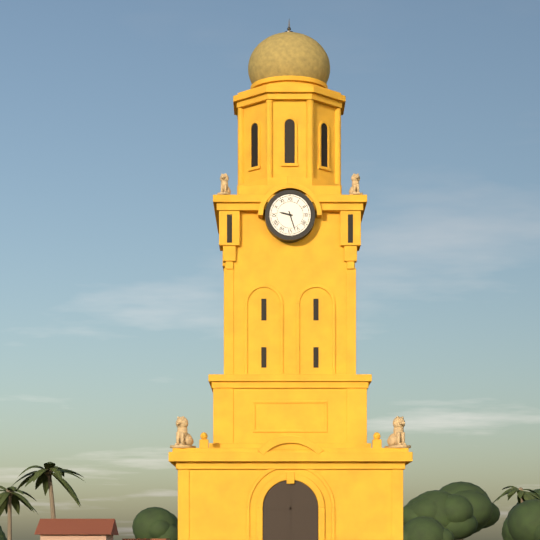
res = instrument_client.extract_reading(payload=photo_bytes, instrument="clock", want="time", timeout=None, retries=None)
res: 9:27
